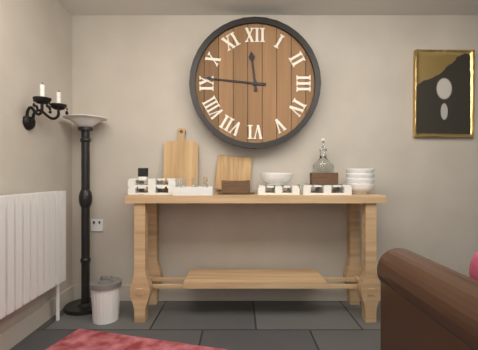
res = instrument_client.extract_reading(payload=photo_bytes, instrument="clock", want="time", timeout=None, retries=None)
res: 11:46
